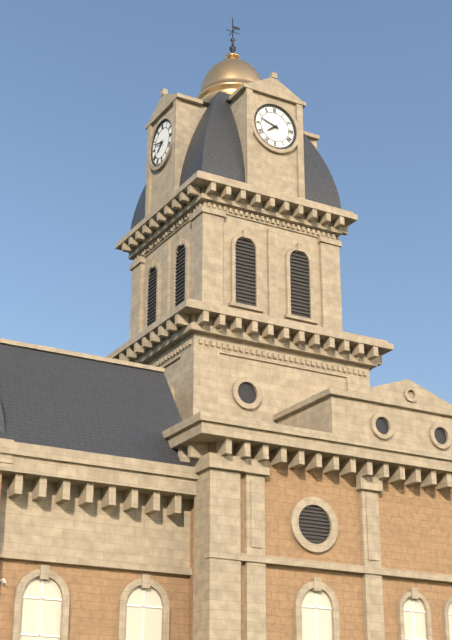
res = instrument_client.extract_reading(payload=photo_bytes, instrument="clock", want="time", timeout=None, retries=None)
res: 7:48
